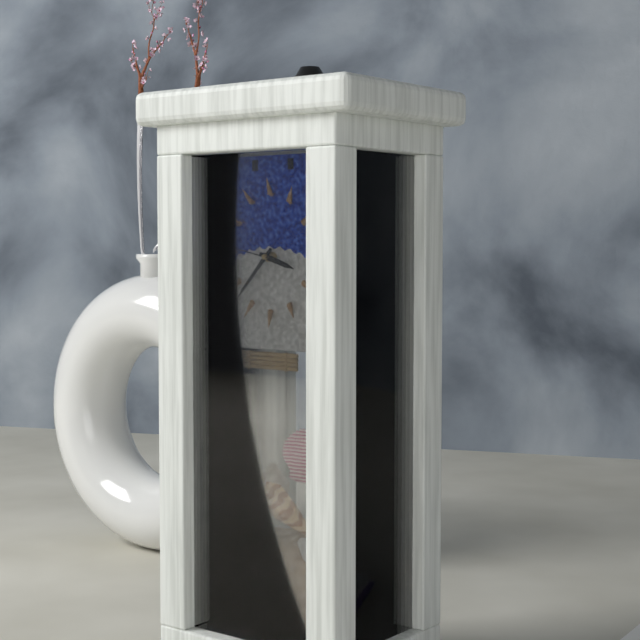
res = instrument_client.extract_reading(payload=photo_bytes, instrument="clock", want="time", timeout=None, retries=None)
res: 3:37
